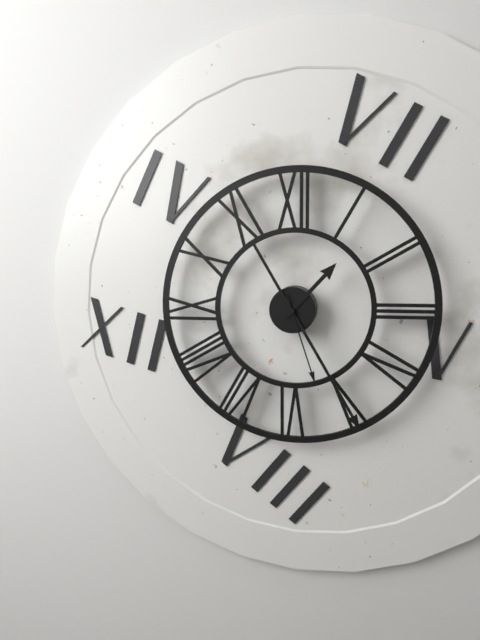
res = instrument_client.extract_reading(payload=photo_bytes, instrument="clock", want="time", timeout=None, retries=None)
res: 1:25:27
